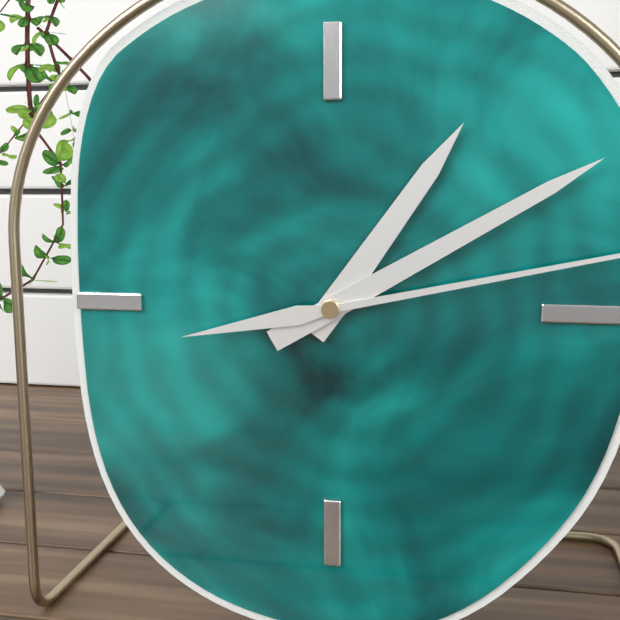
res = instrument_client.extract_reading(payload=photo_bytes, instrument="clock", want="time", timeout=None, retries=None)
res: 1:10
